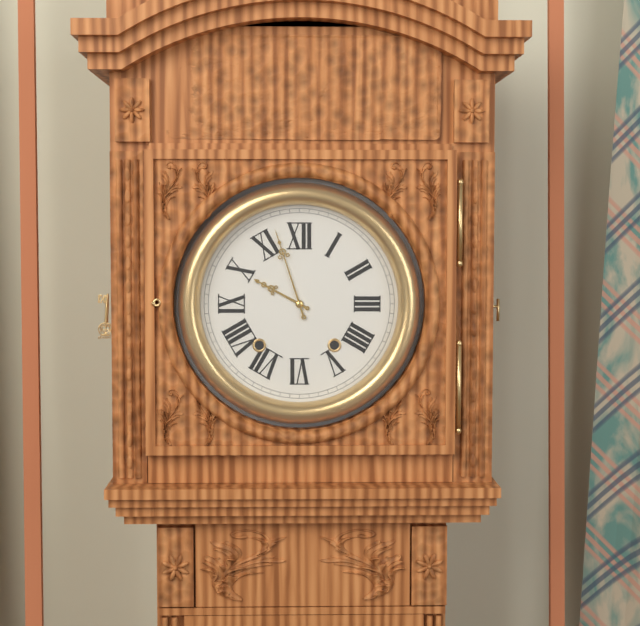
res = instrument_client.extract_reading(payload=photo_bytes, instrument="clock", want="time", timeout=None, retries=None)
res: 9:57
